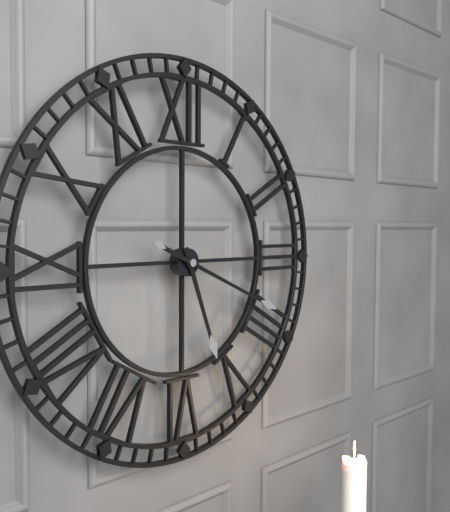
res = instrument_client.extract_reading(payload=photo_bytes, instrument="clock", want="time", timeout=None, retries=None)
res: 5:19
